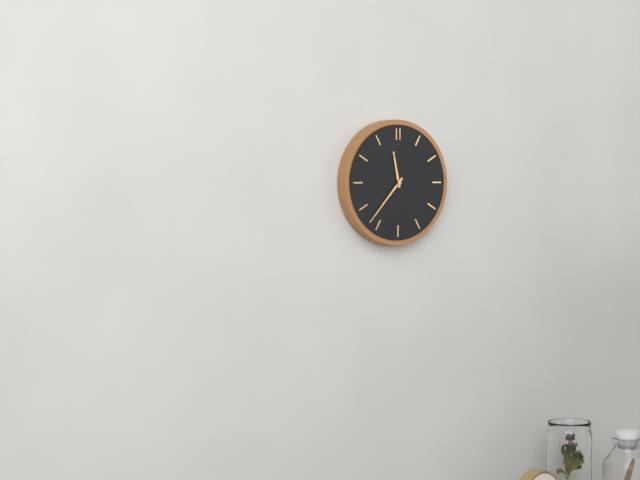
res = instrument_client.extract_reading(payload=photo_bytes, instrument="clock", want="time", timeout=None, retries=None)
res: 11:37
